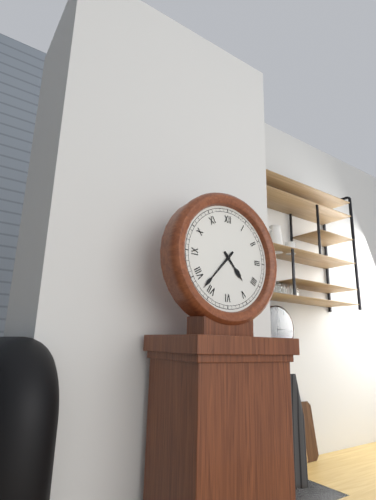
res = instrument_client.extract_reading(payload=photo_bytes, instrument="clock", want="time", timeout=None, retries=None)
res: 4:37
